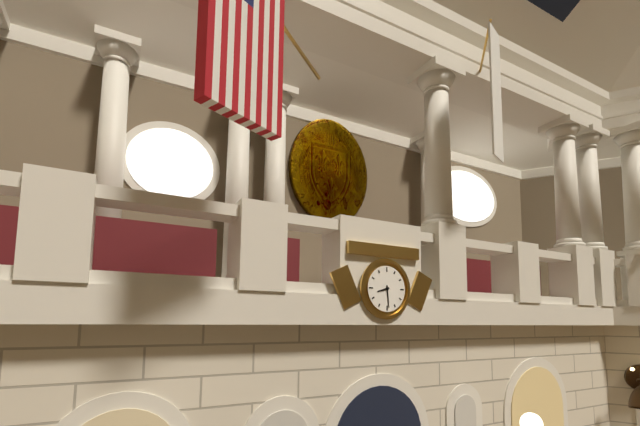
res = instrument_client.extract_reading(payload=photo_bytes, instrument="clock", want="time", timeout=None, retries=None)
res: 8:29
